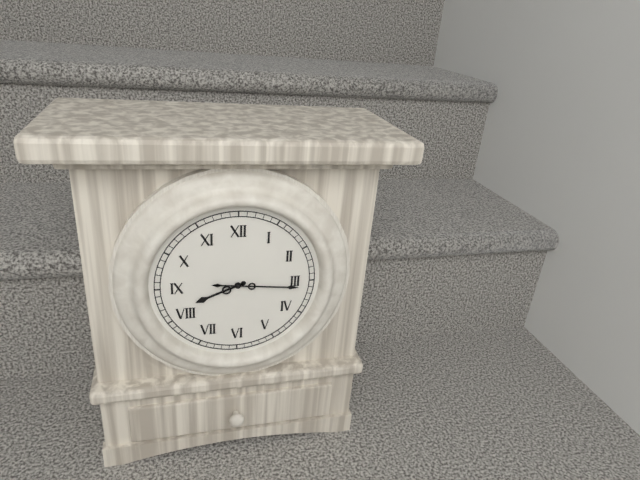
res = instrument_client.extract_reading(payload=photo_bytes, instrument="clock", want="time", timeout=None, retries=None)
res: 8:16
